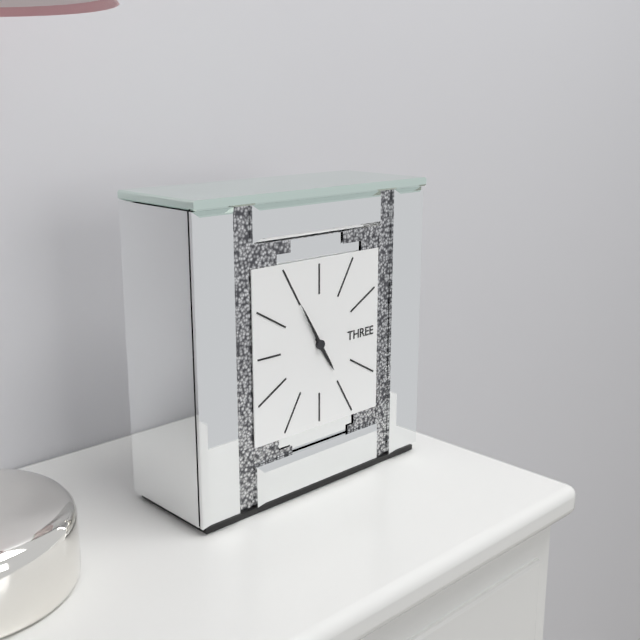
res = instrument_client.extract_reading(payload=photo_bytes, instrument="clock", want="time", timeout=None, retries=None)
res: 4:55
